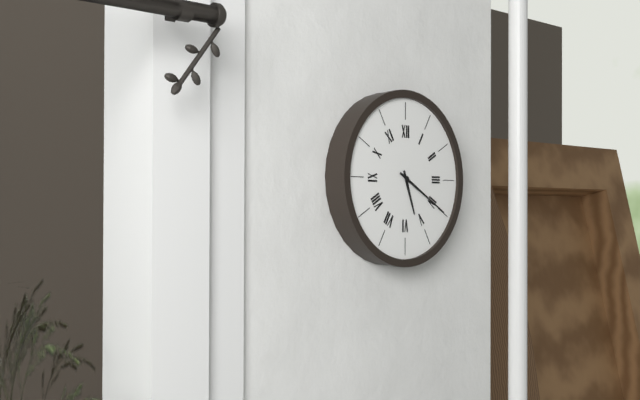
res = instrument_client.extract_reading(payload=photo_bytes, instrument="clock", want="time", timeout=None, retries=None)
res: 5:20
